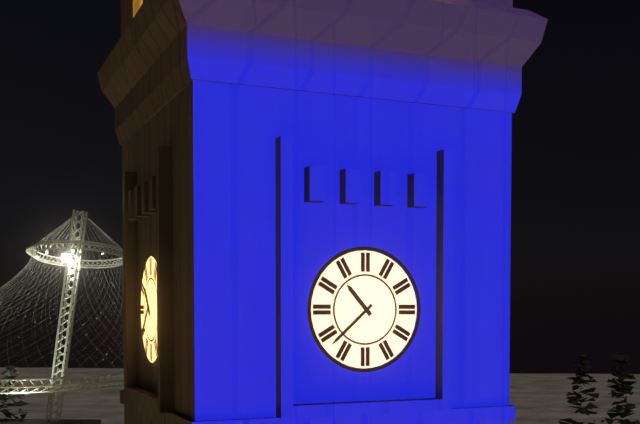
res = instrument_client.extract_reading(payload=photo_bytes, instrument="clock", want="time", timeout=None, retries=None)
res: 10:38
